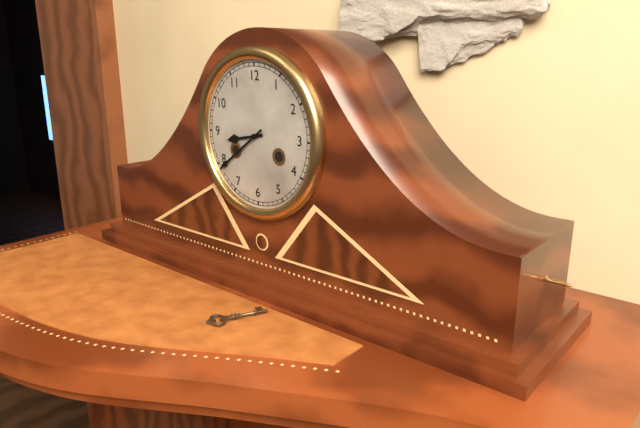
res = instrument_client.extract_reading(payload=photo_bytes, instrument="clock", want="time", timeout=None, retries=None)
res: 8:39
